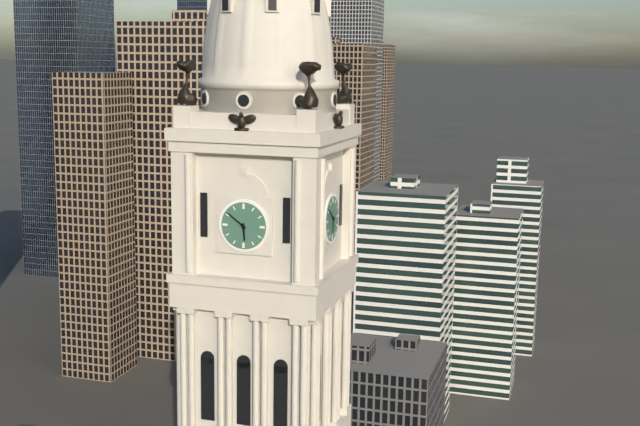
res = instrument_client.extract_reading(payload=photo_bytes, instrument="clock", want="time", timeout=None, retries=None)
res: 5:51
